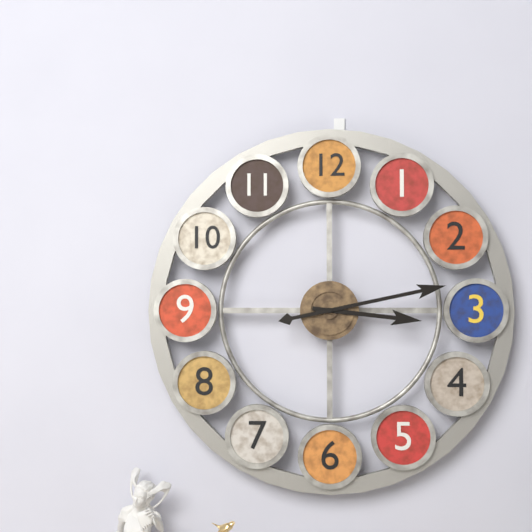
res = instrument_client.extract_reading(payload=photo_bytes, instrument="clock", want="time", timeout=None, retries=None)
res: 3:13
